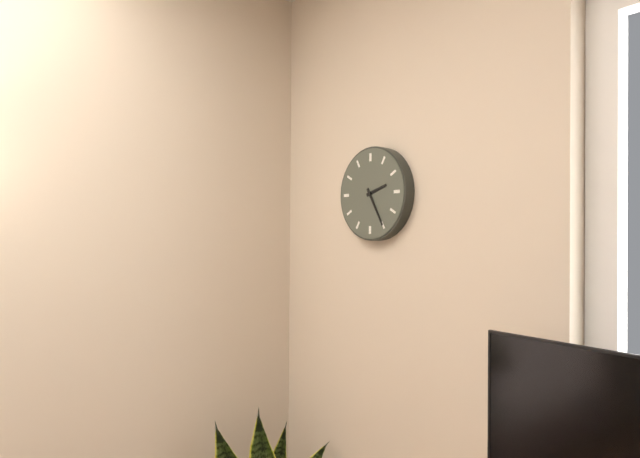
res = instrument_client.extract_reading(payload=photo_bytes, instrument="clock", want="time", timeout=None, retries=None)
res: 2:25
